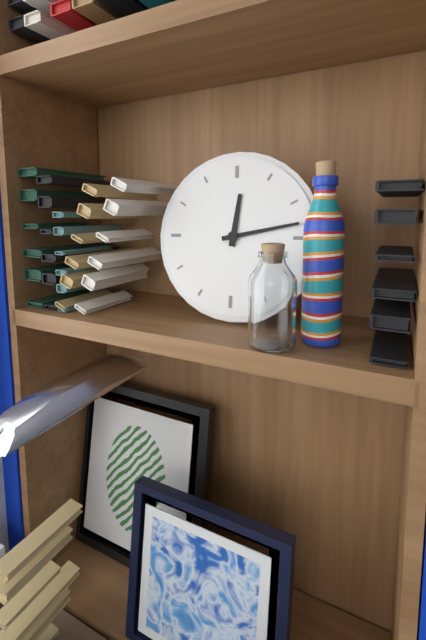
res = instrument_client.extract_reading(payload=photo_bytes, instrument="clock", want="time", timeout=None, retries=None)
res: 12:13
